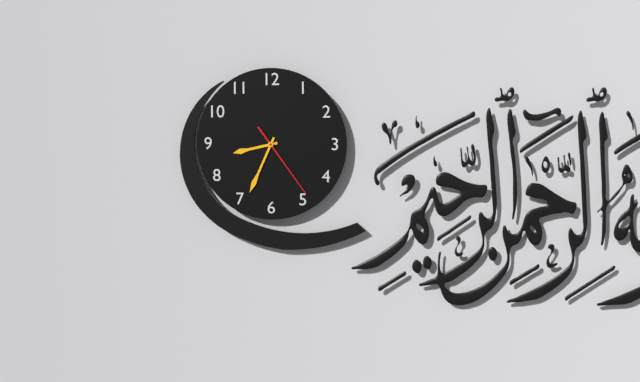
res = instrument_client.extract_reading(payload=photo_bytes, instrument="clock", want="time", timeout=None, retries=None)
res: 8:34:24
